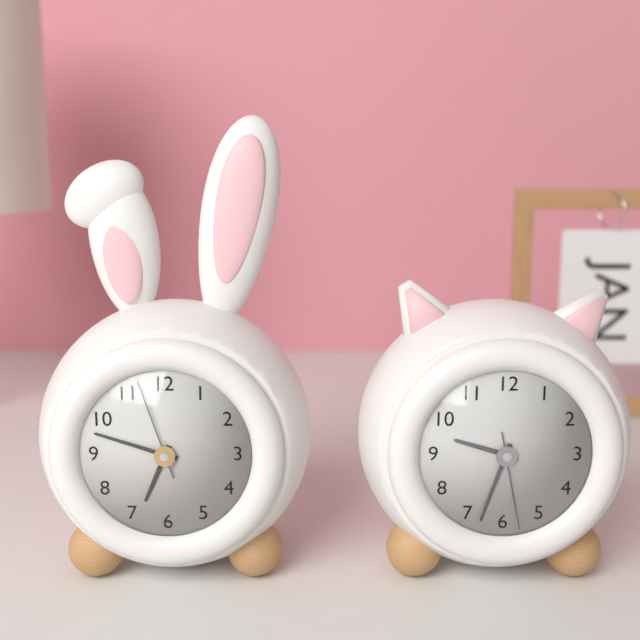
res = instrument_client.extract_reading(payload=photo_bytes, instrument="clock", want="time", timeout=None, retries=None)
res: 6:48:57
